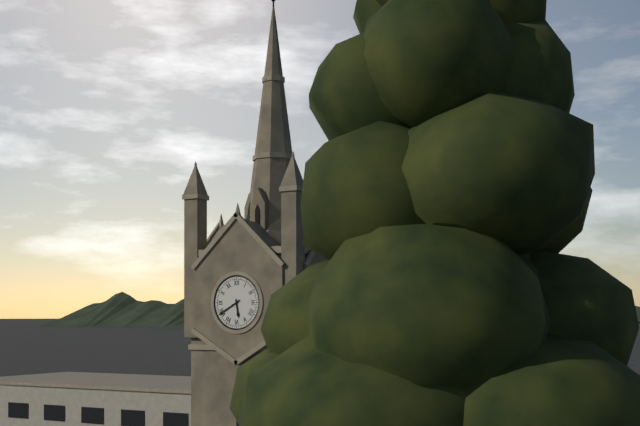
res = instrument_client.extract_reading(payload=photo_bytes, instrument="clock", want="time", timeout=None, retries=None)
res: 5:40
